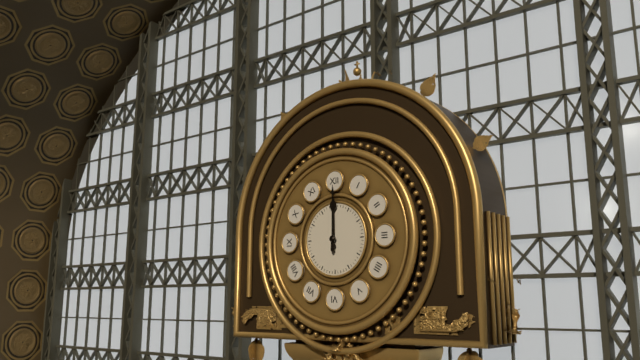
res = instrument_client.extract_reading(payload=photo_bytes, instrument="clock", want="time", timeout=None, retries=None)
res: 12:00
